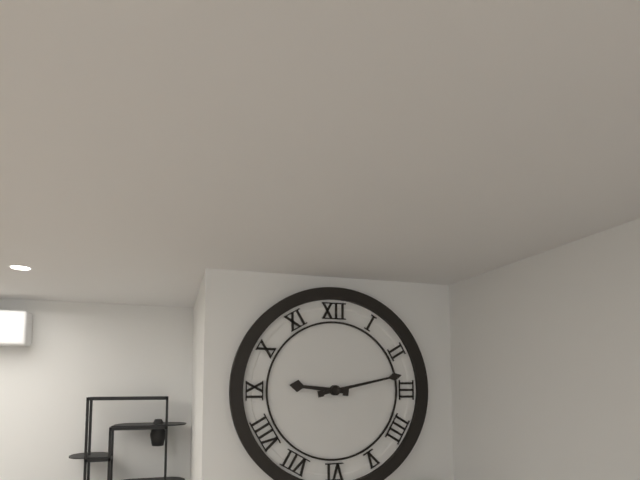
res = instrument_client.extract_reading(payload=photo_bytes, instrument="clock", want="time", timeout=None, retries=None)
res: 9:13
